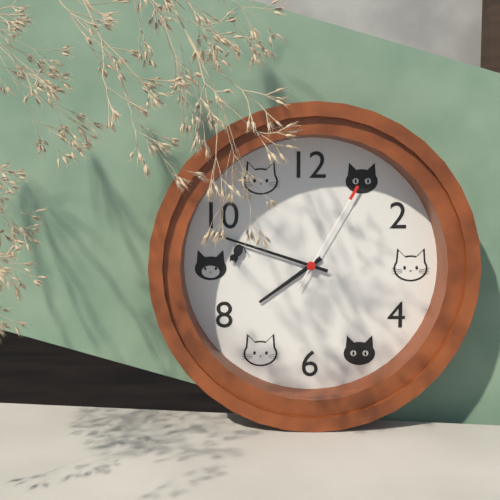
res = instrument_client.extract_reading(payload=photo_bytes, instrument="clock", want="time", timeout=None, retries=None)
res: 7:48:05
